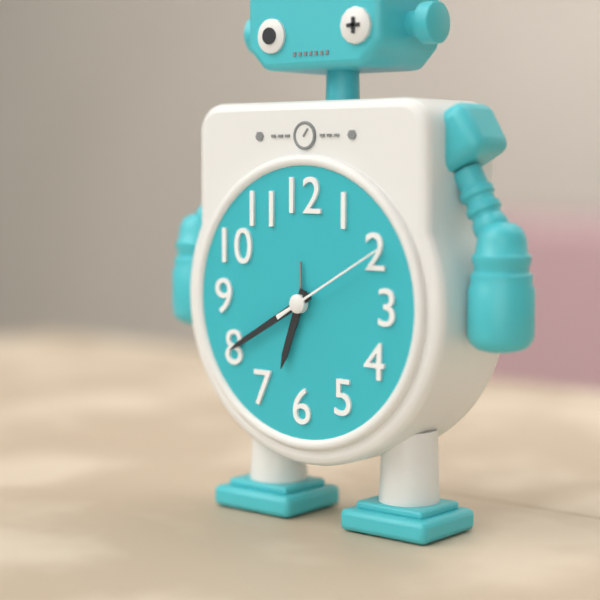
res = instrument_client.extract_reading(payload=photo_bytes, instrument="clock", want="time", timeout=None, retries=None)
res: 6:40:10
